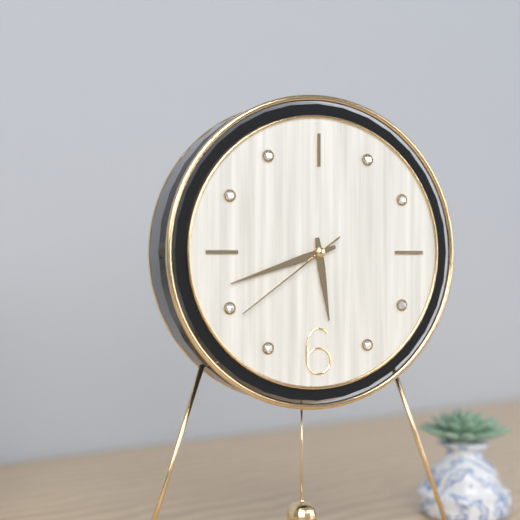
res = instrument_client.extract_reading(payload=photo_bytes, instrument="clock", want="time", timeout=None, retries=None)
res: 5:42:39
